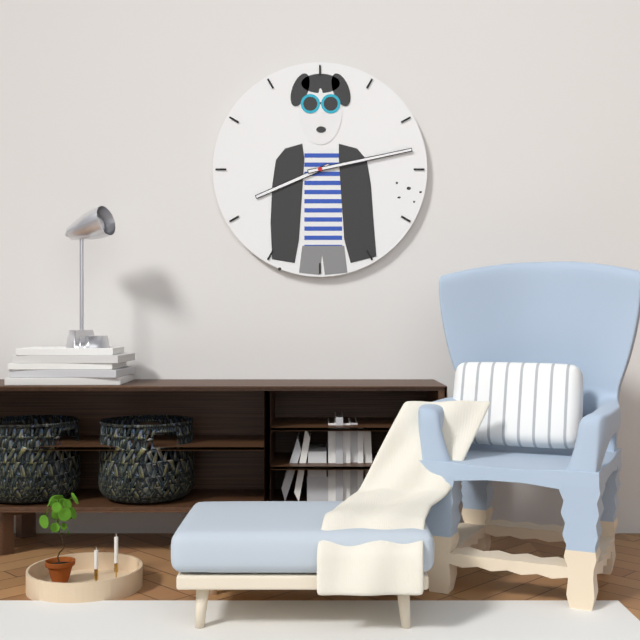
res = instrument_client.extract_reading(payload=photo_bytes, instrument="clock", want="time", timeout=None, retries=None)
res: 8:13
